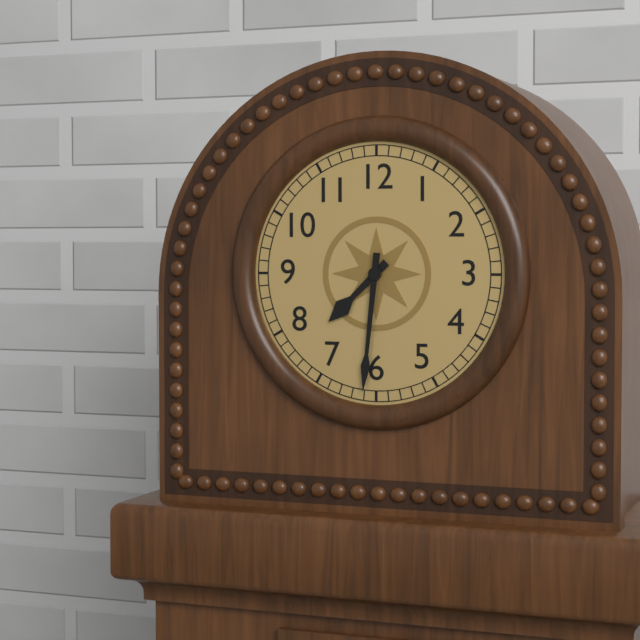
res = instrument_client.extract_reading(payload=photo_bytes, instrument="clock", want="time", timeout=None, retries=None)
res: 7:31
